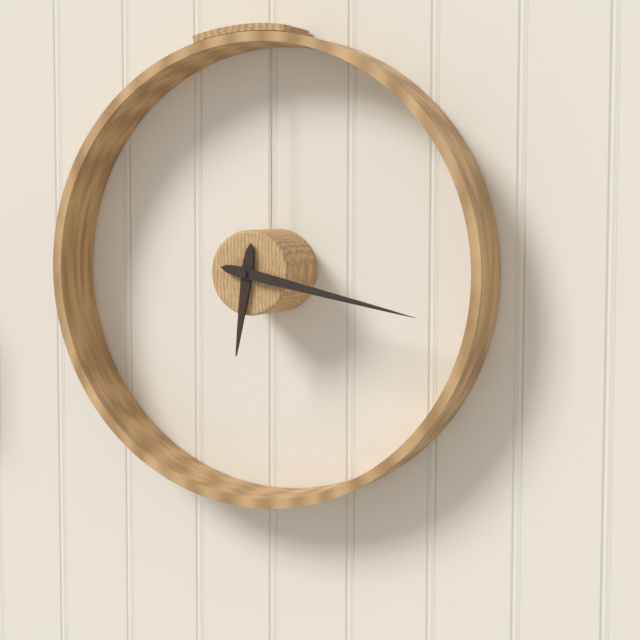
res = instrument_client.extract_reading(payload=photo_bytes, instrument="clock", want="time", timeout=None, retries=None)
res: 6:17
